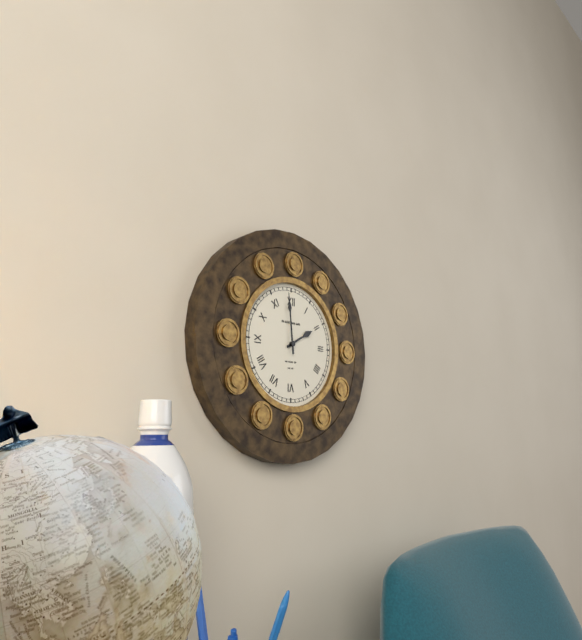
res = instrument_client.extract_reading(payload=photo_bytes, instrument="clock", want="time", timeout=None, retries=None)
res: 1:59
